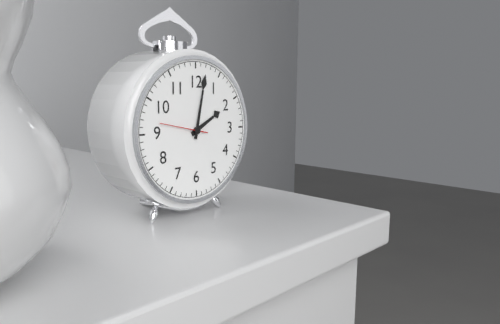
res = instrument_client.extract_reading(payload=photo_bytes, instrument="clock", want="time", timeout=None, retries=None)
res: 2:02
